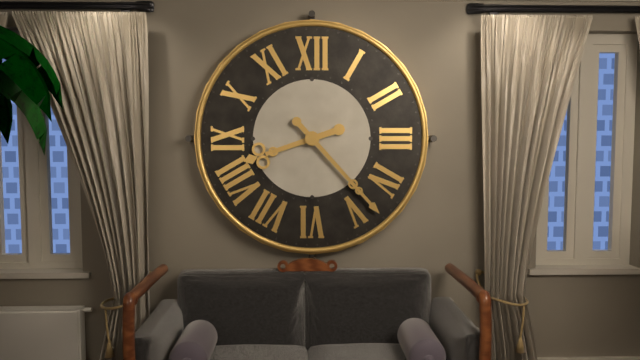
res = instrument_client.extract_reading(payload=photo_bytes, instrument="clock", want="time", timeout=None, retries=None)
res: 8:23
